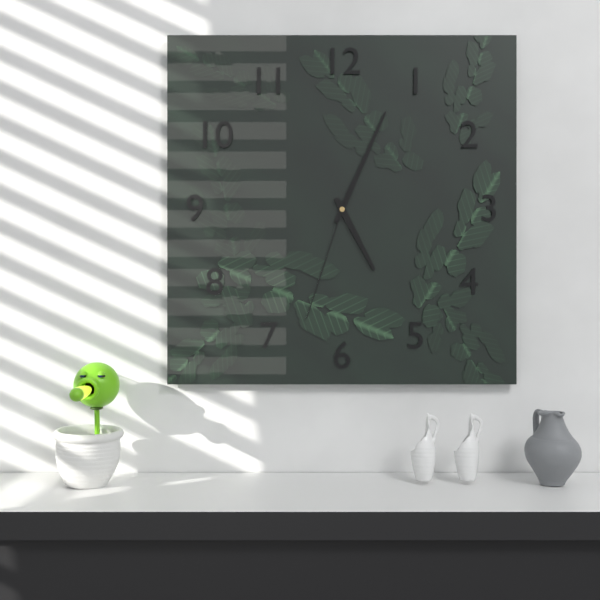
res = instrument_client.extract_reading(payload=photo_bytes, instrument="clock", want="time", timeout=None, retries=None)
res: 5:04:33
